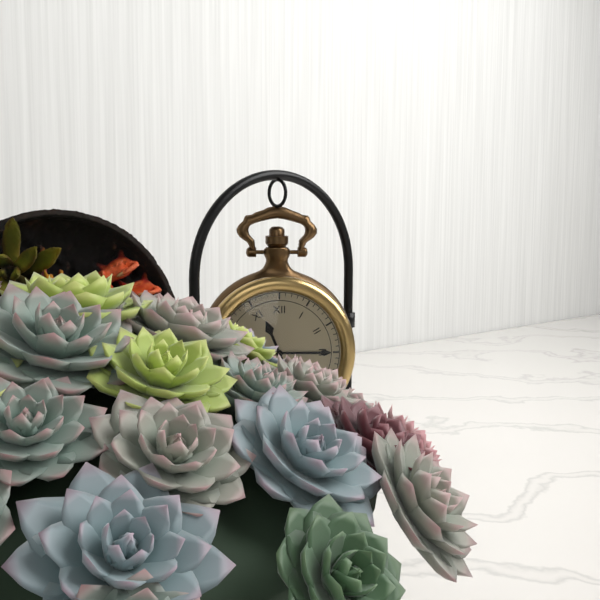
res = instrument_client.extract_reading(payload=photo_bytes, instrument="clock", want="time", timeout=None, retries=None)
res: 11:15
